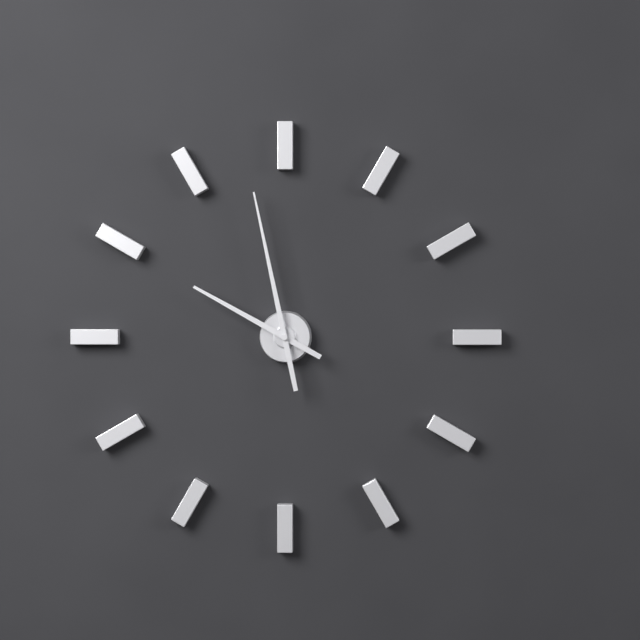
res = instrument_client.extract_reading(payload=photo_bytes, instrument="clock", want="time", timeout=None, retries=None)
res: 9:58
